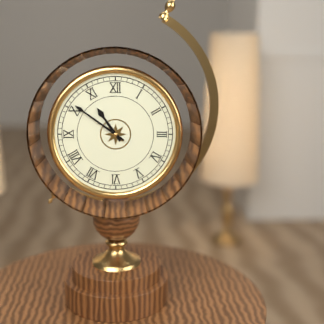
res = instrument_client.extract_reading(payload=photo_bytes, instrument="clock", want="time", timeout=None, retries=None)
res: 10:51
